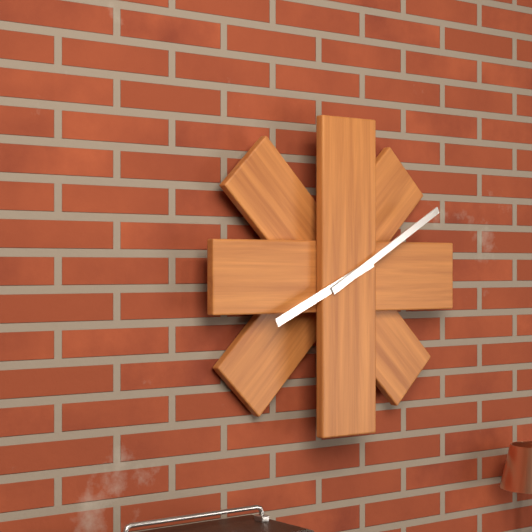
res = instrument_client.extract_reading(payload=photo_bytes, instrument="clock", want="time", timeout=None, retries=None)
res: 8:10
